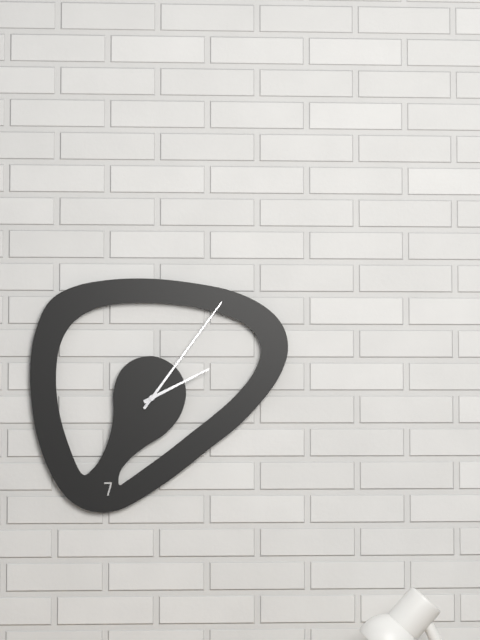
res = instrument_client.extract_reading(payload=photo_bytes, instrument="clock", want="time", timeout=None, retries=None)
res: 2:06
